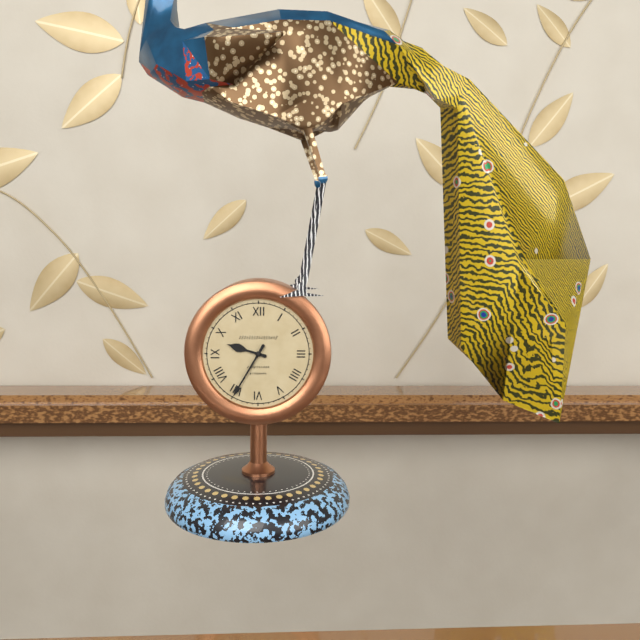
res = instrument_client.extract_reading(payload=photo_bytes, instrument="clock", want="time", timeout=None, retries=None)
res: 9:35
